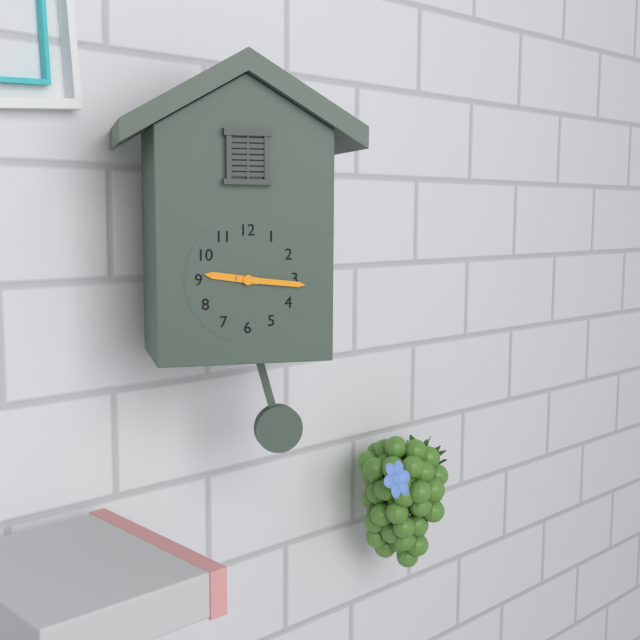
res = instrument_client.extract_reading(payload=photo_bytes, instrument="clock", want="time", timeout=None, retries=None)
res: 9:16
